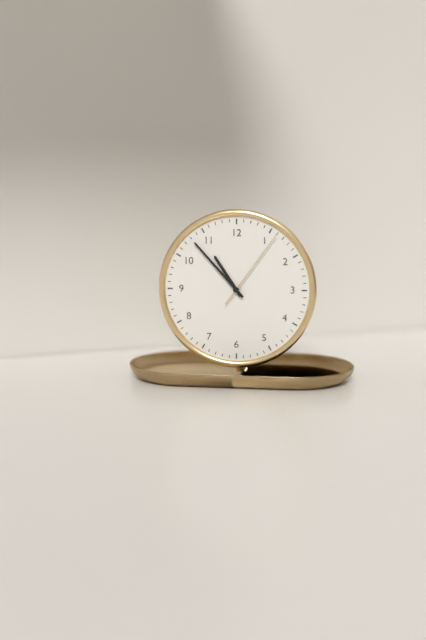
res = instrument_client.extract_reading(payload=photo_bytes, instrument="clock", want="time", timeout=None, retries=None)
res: 10:53:06
